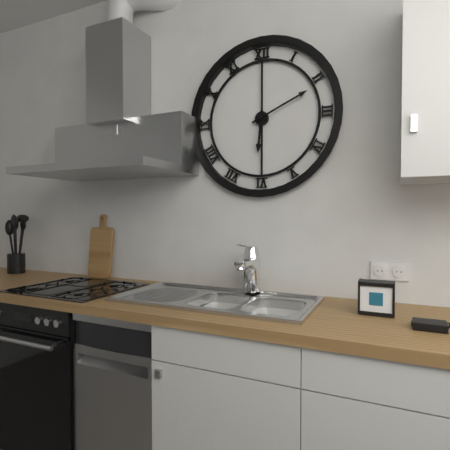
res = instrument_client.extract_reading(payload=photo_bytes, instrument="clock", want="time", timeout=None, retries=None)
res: 6:11
